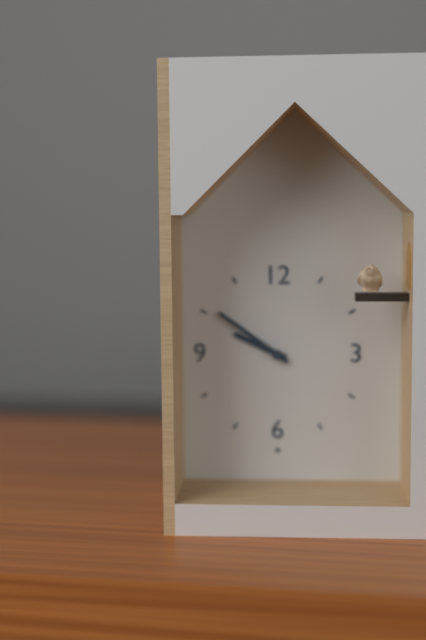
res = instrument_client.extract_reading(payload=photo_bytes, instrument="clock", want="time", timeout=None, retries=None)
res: 9:51
